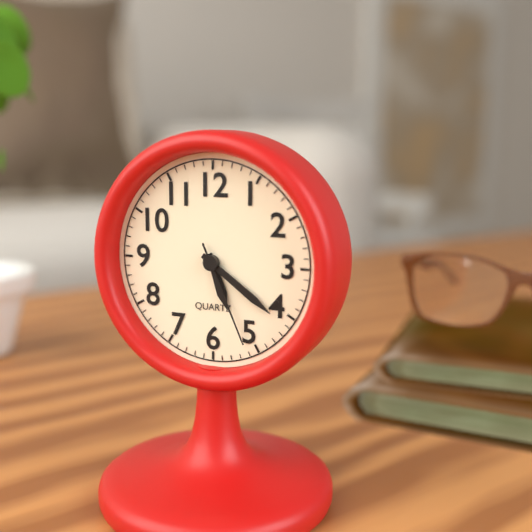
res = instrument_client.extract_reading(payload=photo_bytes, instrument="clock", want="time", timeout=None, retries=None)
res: 5:21:26
